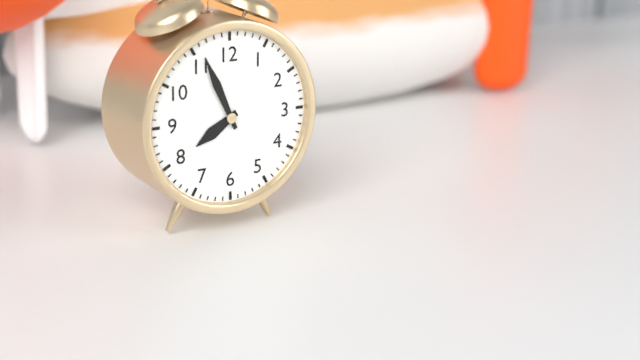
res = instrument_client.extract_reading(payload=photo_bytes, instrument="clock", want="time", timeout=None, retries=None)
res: 7:56
